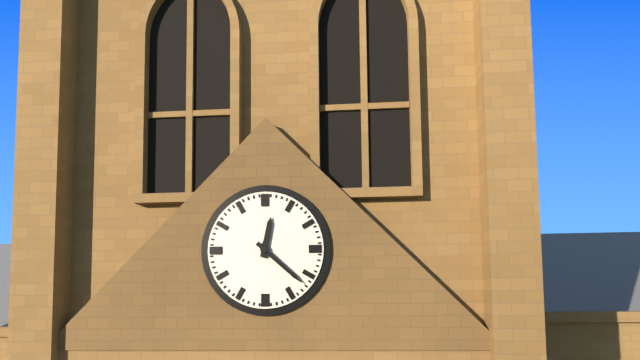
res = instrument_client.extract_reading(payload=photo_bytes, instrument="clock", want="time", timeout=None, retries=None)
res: 12:22
